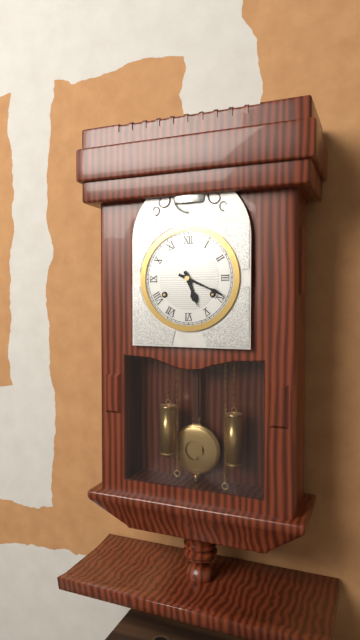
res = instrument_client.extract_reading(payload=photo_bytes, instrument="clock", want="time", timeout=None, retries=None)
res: 5:19
